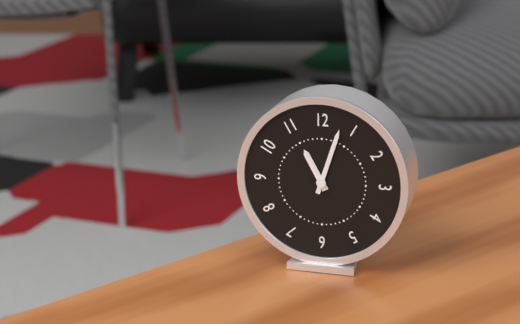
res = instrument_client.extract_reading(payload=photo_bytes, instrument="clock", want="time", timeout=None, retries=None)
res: 11:03
